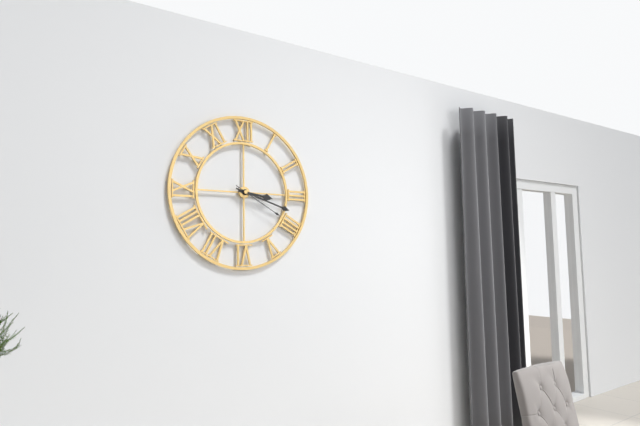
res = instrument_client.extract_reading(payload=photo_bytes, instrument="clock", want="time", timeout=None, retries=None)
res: 3:18:20
